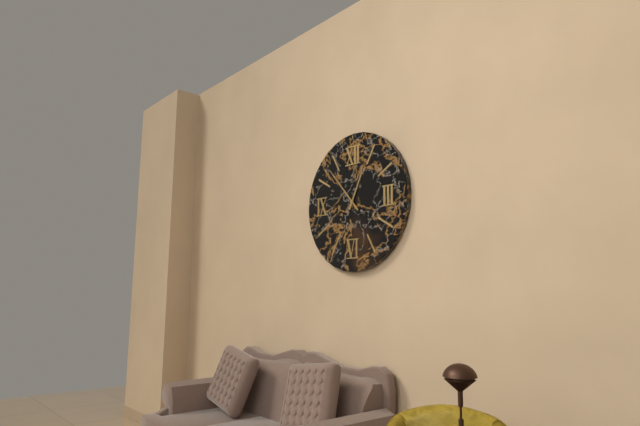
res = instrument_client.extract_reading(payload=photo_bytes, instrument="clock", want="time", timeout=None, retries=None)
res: 12:53
